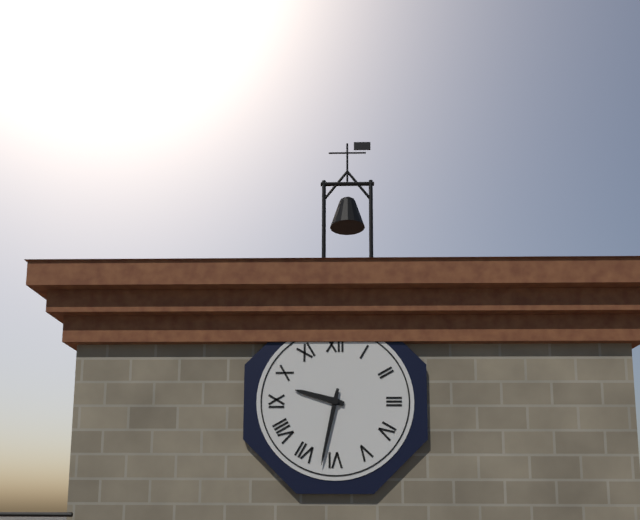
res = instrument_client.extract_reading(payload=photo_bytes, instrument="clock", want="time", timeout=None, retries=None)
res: 9:32
